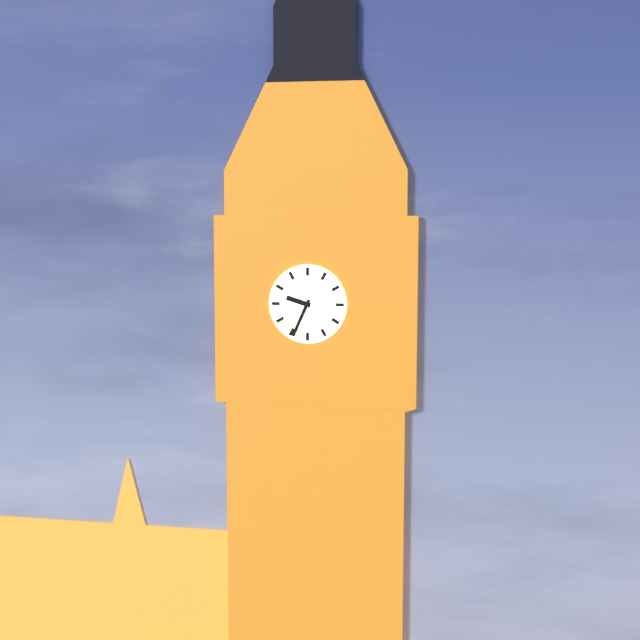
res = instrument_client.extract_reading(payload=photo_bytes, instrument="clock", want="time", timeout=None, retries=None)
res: 9:34
